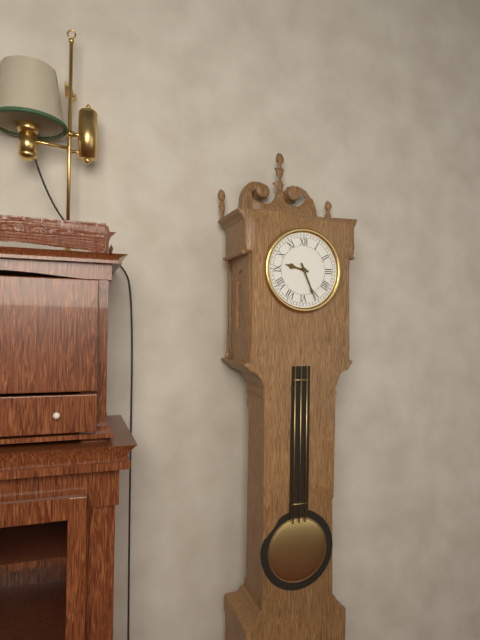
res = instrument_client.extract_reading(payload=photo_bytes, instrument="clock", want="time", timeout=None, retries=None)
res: 9:26
